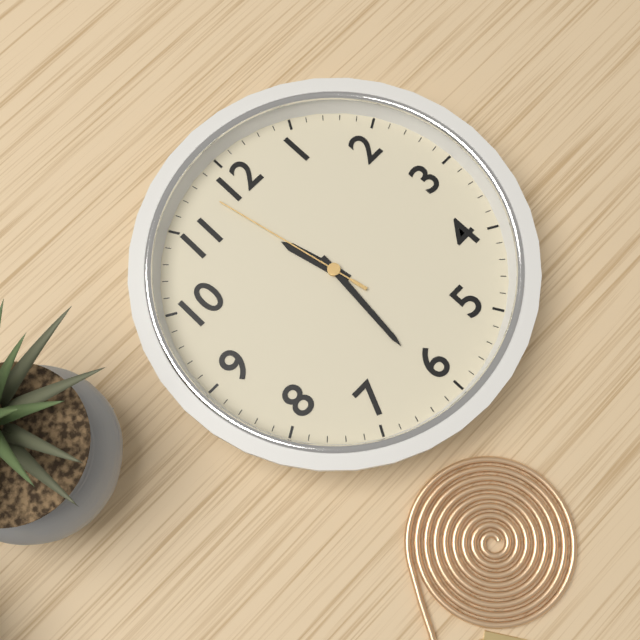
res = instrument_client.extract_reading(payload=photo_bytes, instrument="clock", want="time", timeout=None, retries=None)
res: 11:31:58
